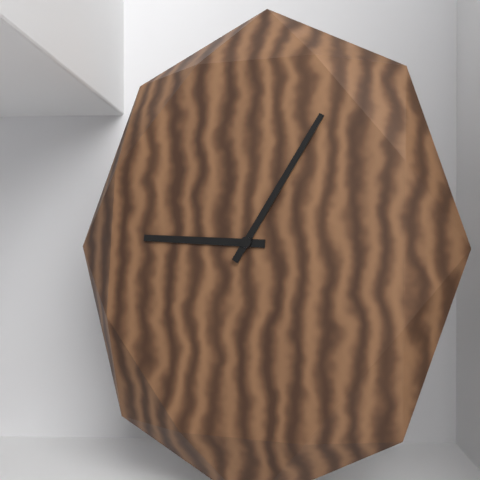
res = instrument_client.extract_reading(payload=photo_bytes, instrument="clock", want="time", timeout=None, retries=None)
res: 9:05
